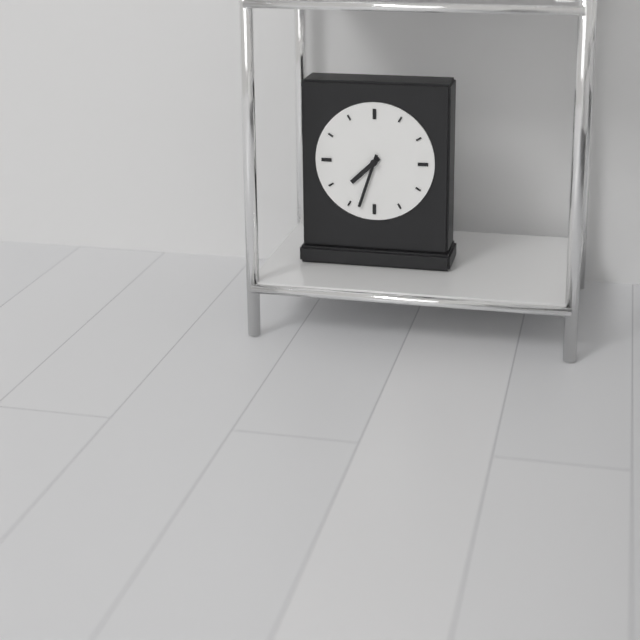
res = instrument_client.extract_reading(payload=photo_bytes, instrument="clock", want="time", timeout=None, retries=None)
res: 7:33
